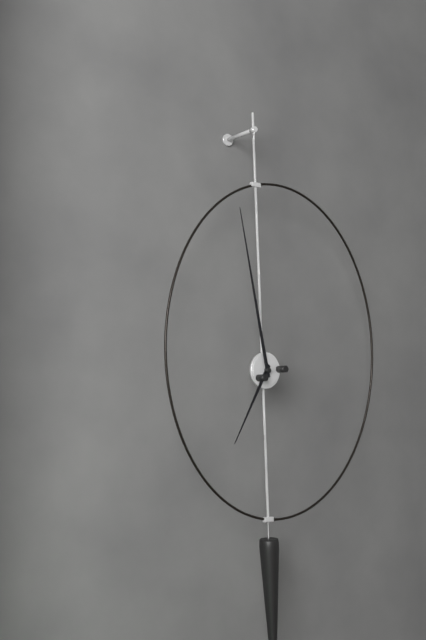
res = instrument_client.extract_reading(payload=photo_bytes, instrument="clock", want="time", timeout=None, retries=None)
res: 6:58
